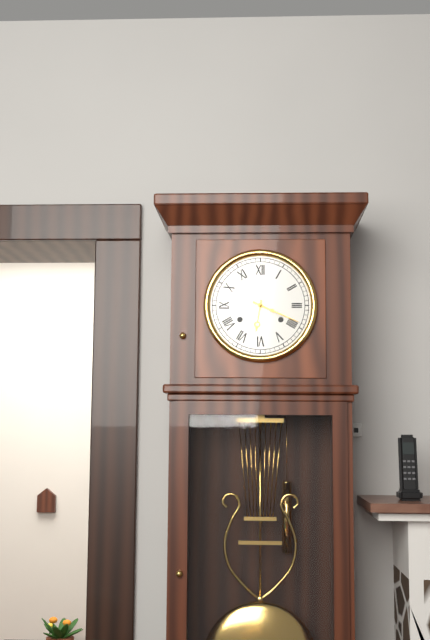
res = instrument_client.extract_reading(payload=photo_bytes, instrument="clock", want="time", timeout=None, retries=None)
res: 6:19
